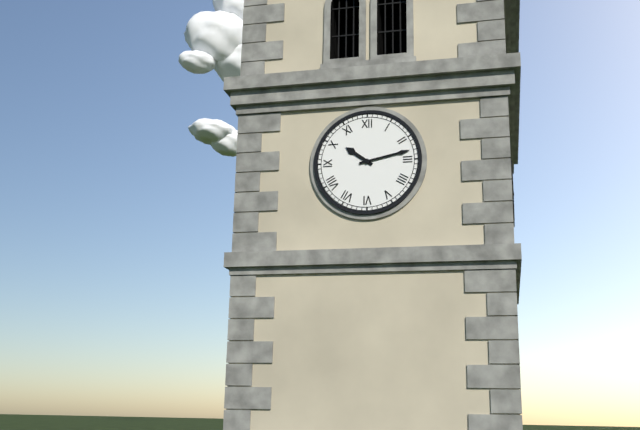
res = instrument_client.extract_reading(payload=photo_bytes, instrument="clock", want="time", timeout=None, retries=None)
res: 10:13
